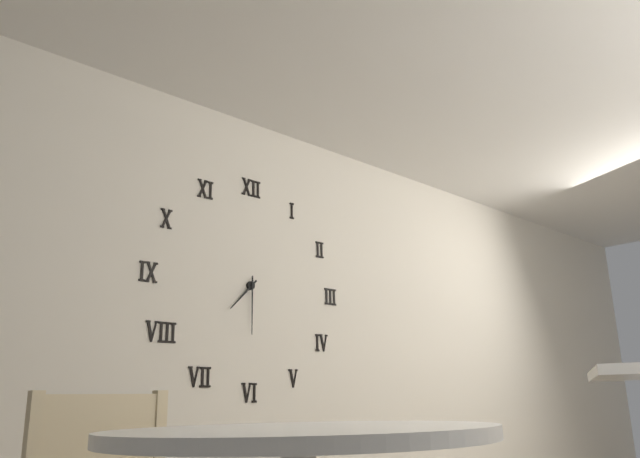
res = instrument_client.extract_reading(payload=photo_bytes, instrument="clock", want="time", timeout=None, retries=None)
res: 7:30
